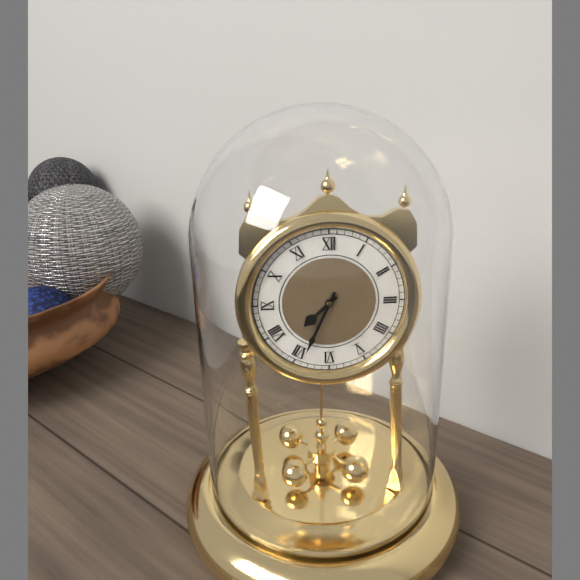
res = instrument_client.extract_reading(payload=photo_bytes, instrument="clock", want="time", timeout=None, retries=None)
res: 7:34
